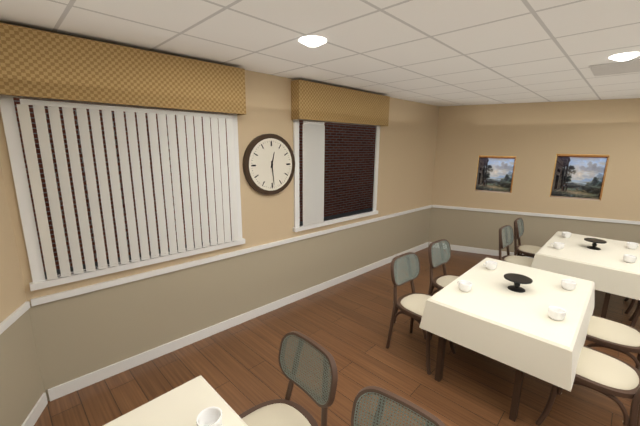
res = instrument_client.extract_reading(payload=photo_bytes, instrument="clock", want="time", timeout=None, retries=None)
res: 12:29
